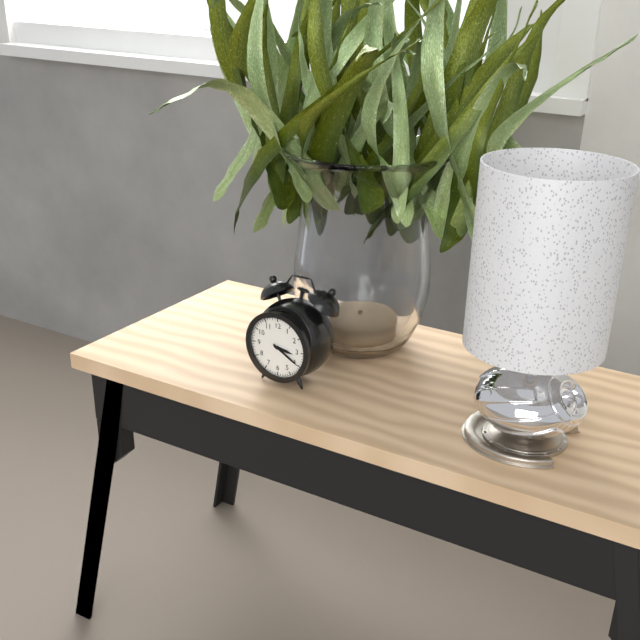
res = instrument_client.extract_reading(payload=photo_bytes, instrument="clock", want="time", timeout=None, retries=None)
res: 3:20
